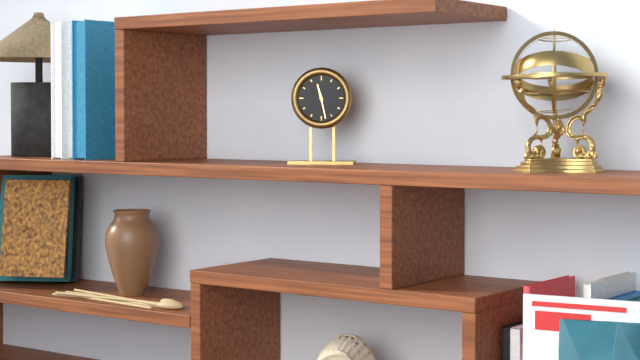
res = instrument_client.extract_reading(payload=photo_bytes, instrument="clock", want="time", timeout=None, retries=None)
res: 11:28
